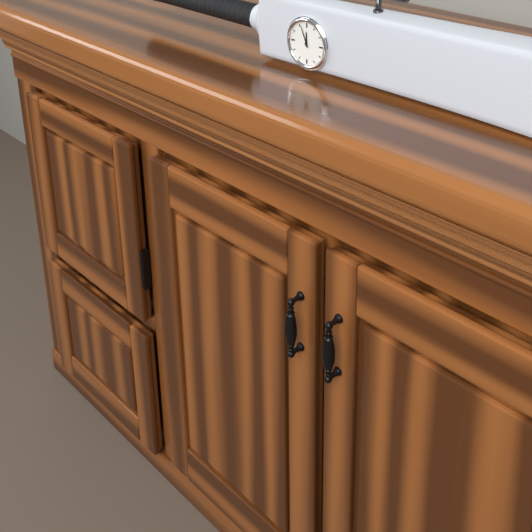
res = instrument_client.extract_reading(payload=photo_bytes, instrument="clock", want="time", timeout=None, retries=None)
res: 11:56
